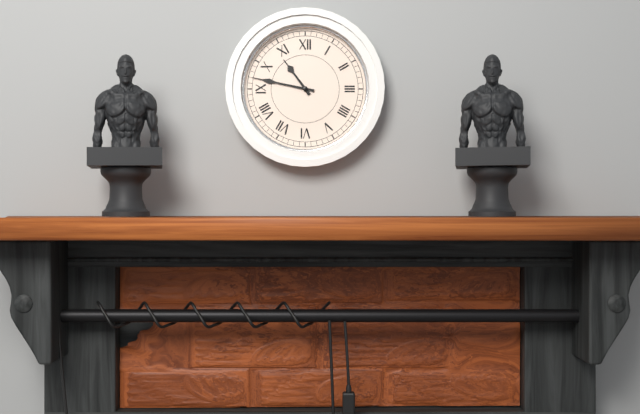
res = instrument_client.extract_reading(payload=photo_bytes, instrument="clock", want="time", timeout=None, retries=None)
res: 10:47
